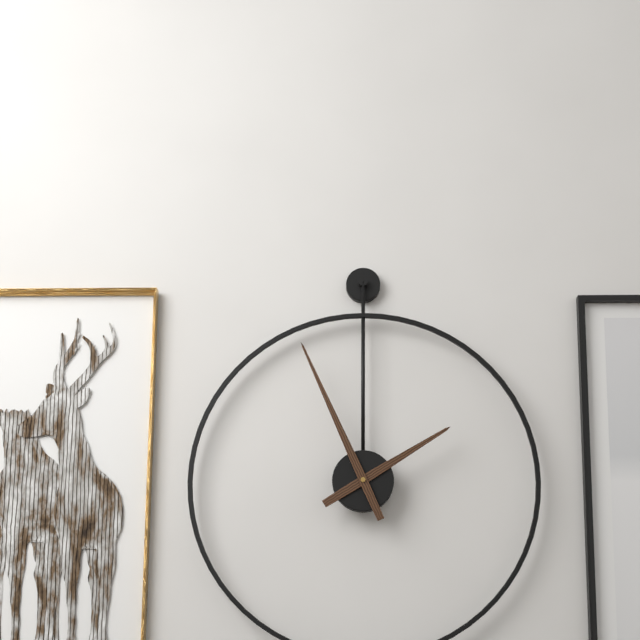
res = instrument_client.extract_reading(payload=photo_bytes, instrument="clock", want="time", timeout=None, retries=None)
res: 1:56
